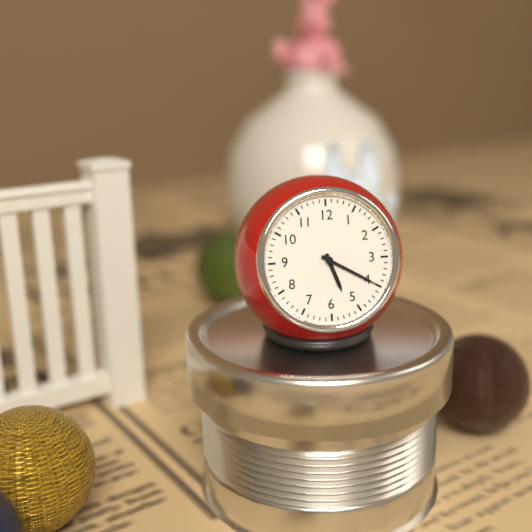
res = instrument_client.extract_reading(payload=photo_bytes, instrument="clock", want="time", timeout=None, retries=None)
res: 5:20
